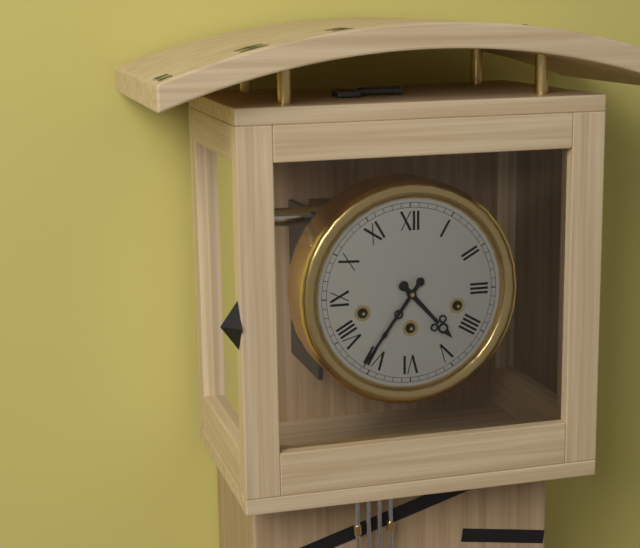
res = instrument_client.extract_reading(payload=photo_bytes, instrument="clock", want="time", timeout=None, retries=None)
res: 4:36
